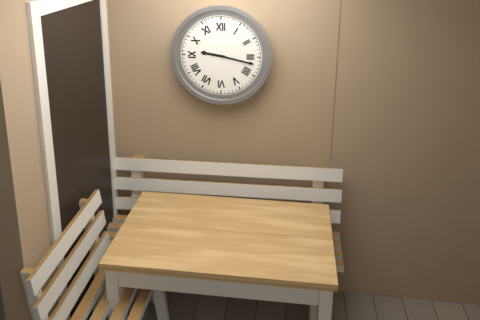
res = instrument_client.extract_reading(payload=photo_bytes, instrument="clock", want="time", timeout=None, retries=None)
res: 9:17
